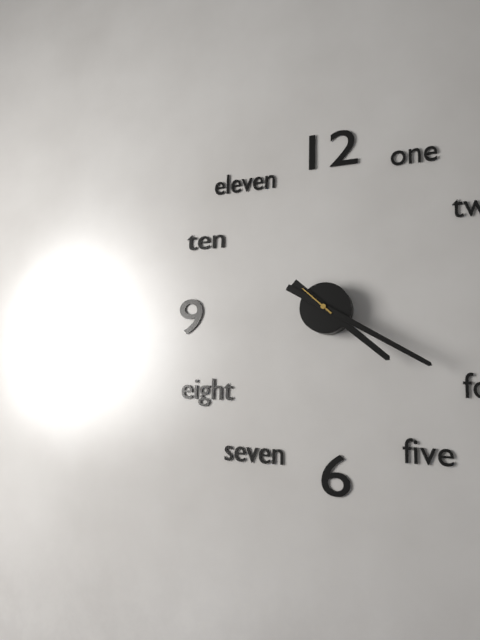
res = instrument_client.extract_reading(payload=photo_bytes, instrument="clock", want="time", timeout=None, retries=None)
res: 4:20
